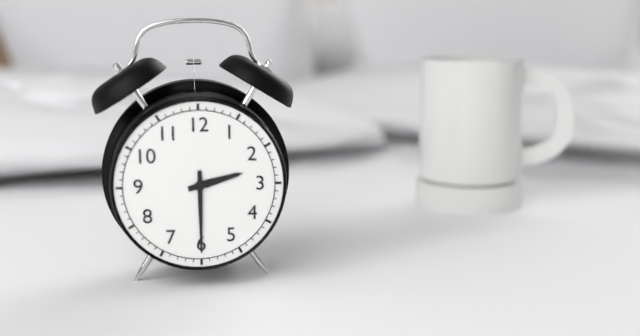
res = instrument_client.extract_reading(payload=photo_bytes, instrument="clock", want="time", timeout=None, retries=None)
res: 2:30
